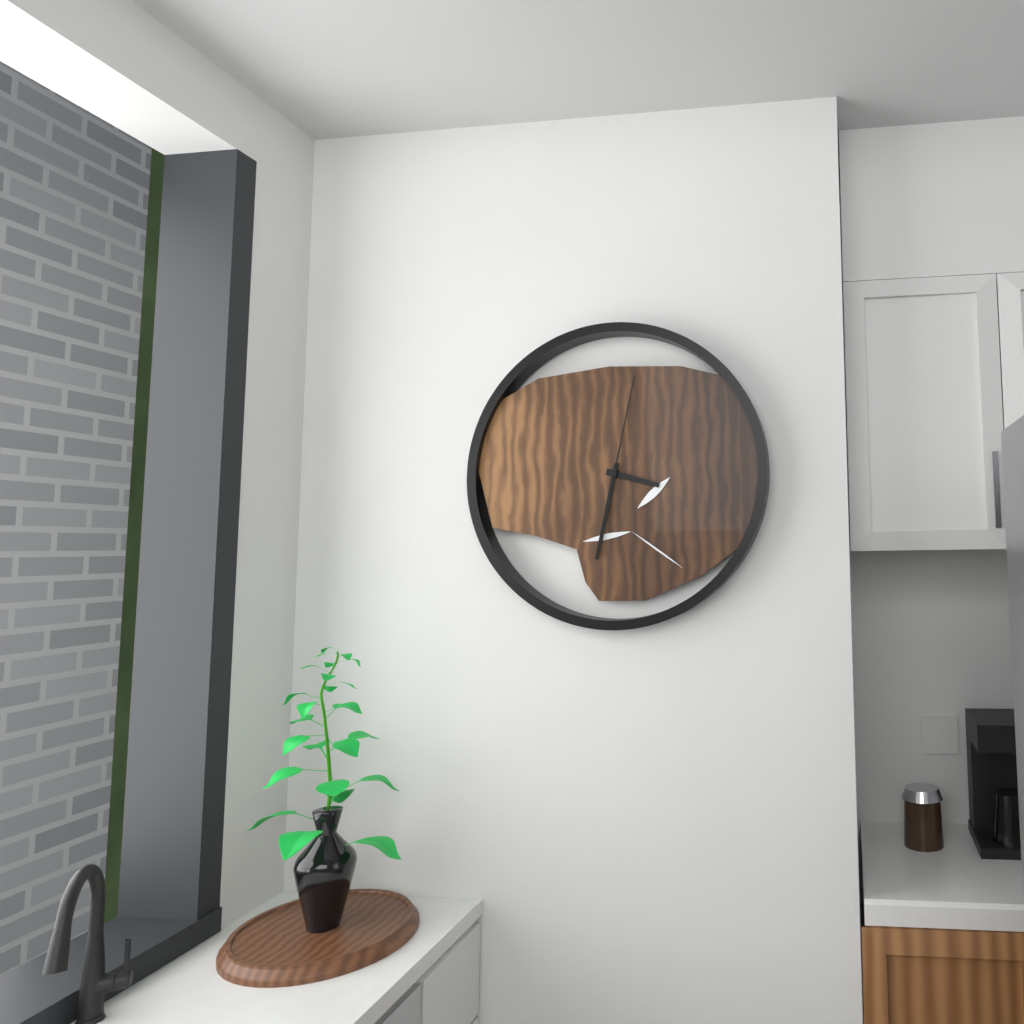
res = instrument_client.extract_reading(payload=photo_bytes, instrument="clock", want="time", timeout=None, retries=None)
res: 3:32:02
